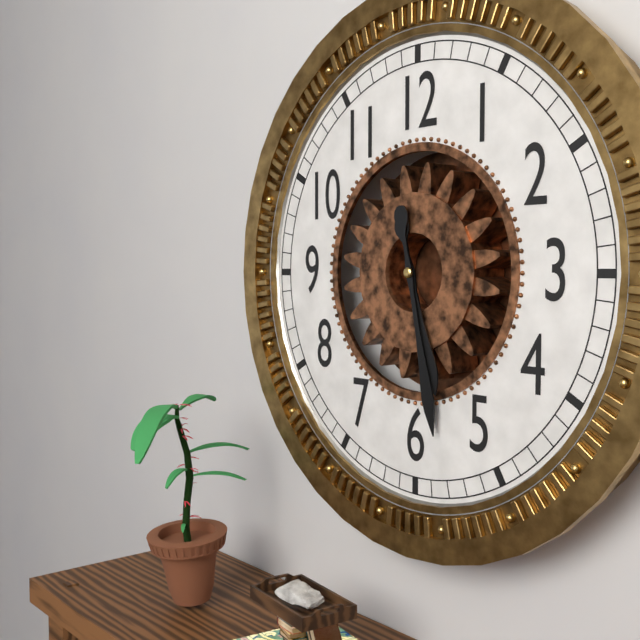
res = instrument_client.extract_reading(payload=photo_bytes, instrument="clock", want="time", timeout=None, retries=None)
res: 5:28
